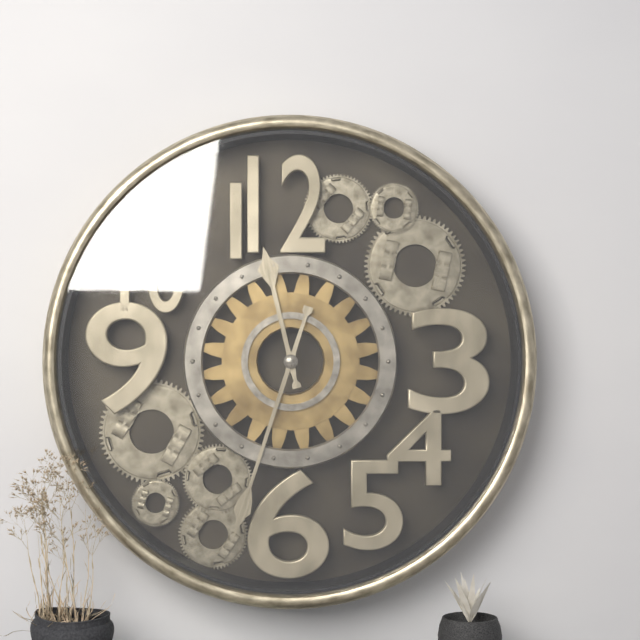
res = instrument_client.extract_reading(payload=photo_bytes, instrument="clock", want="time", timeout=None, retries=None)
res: 11:33
